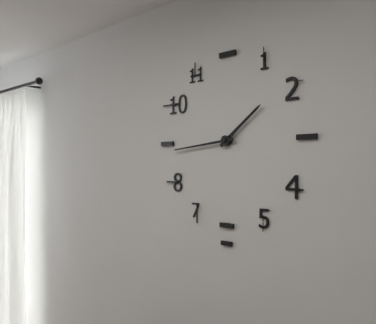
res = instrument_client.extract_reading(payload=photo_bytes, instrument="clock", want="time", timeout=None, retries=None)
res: 1:44
